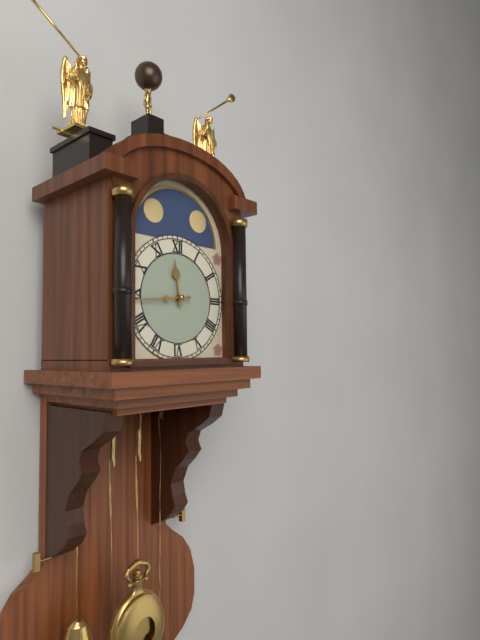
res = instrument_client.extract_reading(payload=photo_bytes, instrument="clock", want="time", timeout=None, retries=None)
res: 11:44
